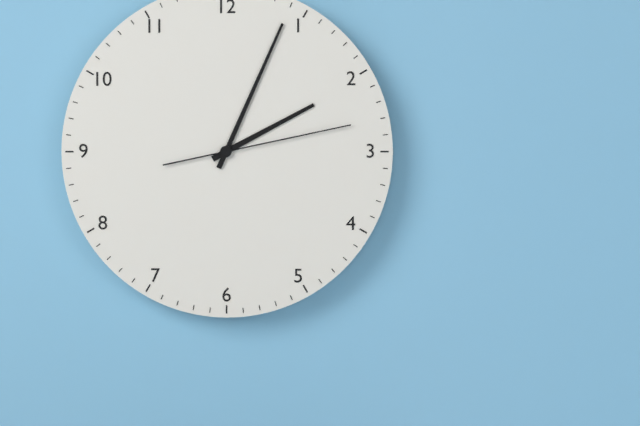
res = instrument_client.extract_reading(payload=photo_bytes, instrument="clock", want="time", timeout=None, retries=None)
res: 2:04:13
